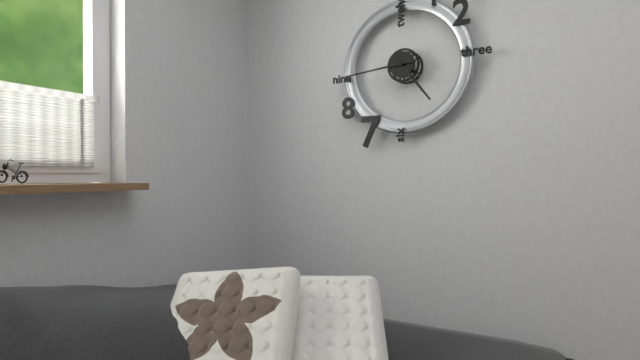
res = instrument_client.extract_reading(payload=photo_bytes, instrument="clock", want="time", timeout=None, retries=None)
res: 4:44
